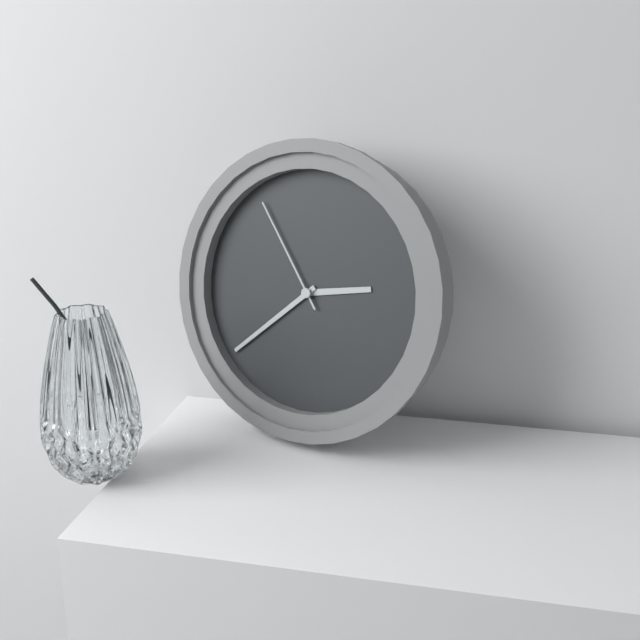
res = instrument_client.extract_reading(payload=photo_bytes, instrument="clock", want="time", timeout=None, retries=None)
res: 2:38:54
